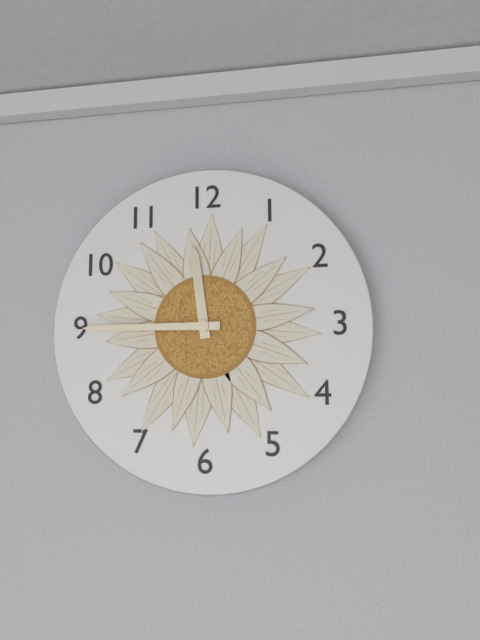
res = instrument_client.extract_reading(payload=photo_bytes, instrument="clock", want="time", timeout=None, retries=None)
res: 11:45
